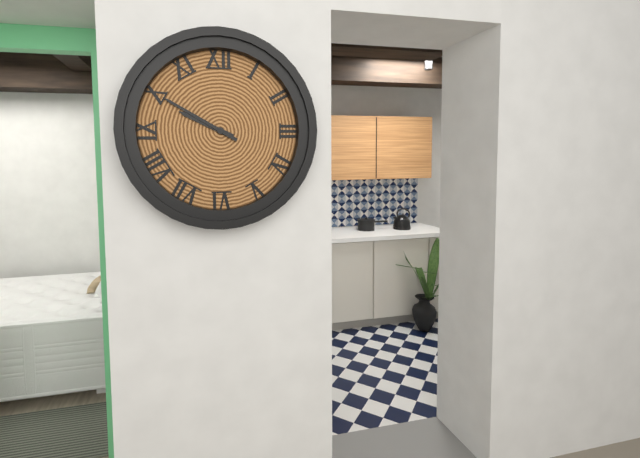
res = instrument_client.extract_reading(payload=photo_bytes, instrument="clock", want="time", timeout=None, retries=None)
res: 9:50
